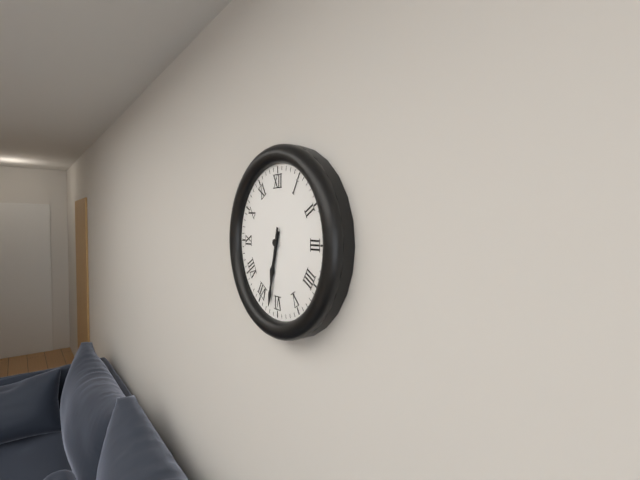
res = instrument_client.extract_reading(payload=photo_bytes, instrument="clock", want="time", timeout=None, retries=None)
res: 6:32
